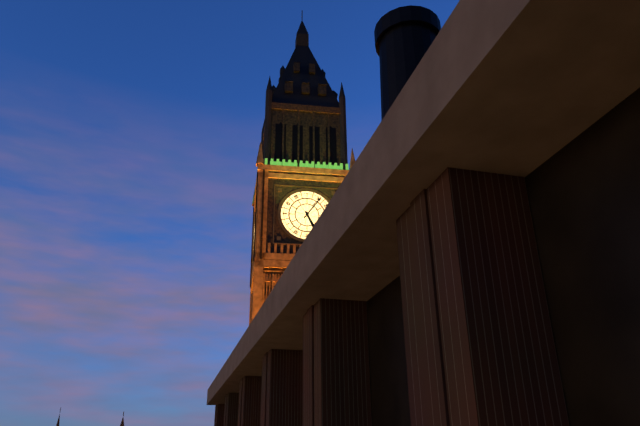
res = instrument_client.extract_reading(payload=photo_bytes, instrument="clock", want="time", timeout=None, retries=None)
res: 5:06
